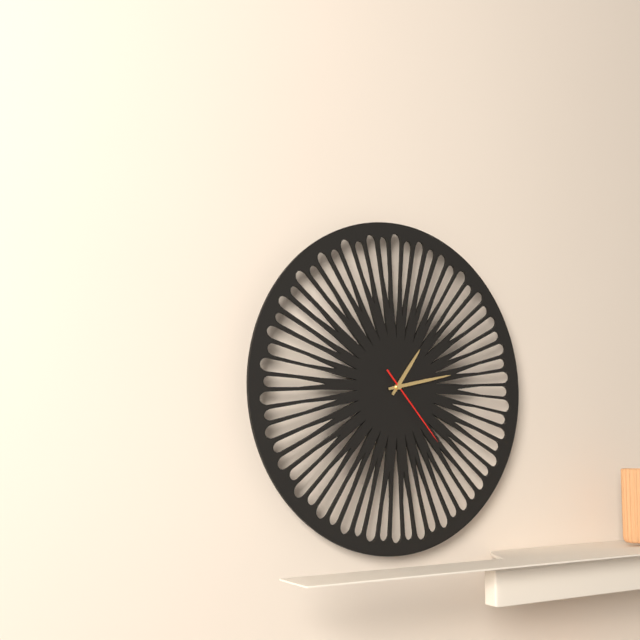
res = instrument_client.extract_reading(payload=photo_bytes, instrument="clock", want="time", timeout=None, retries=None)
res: 1:13:23
